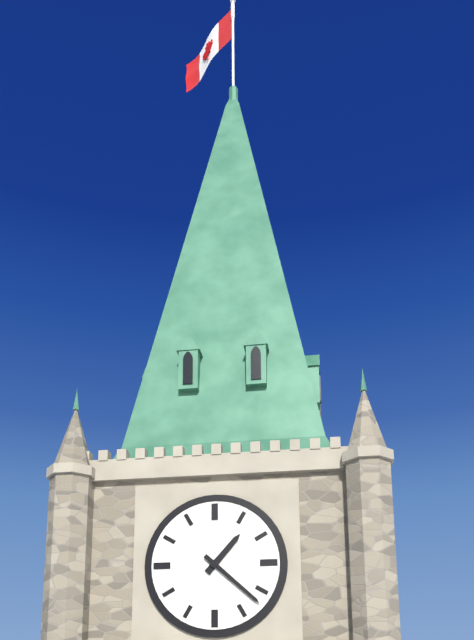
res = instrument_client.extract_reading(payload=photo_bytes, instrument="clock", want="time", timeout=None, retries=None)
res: 1:22
